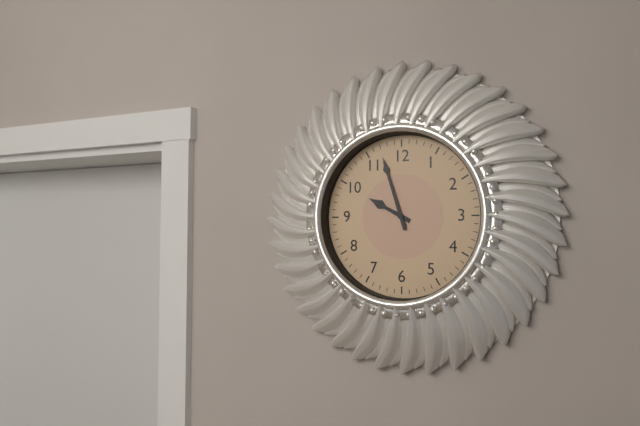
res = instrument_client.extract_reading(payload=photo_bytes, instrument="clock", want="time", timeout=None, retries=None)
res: 9:57
